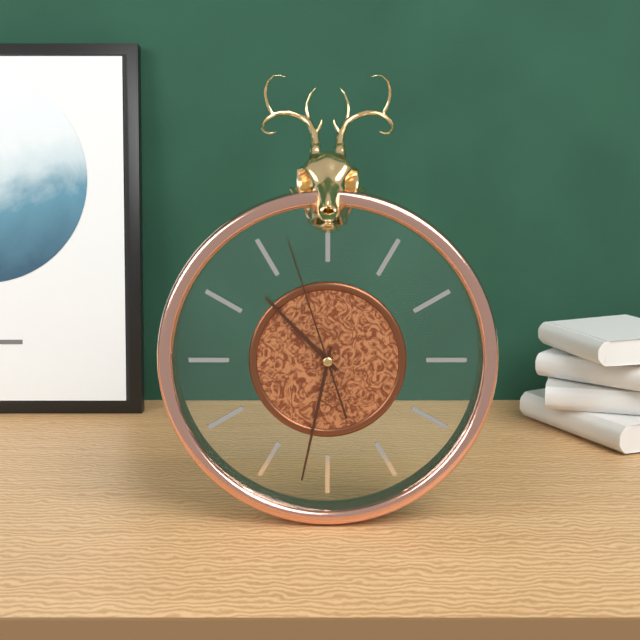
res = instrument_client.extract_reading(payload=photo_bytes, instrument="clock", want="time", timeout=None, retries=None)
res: 10:32:57
